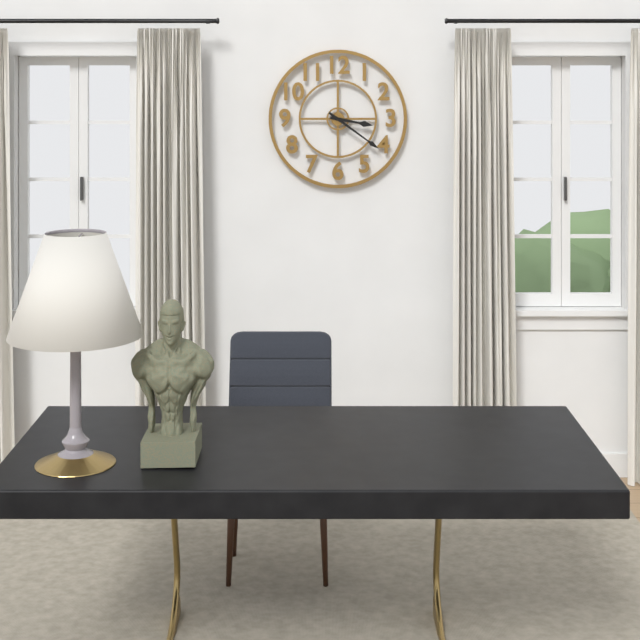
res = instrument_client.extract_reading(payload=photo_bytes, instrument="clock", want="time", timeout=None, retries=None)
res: 3:21
